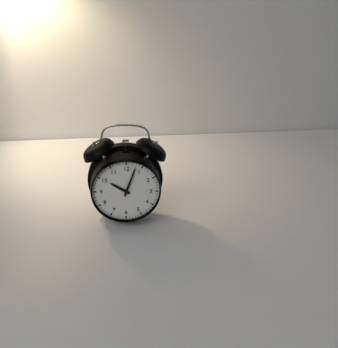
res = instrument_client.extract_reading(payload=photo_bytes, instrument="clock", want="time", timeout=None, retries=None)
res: 10:03
